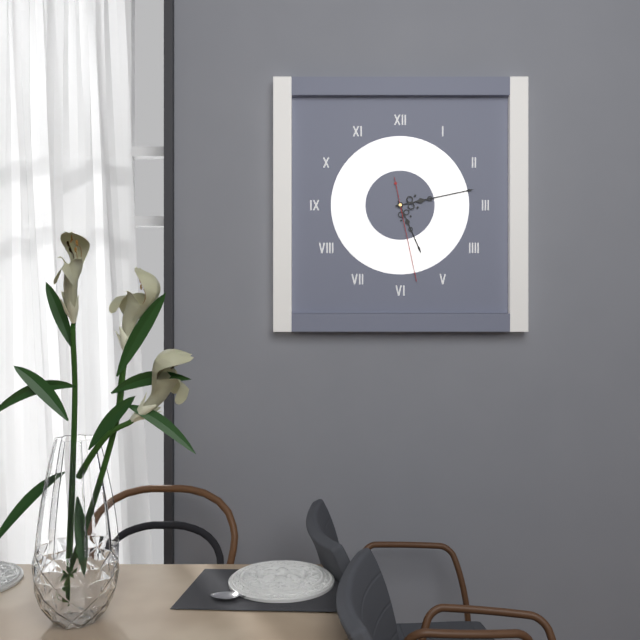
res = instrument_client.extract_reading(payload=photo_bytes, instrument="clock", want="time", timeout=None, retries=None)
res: 5:13:28
